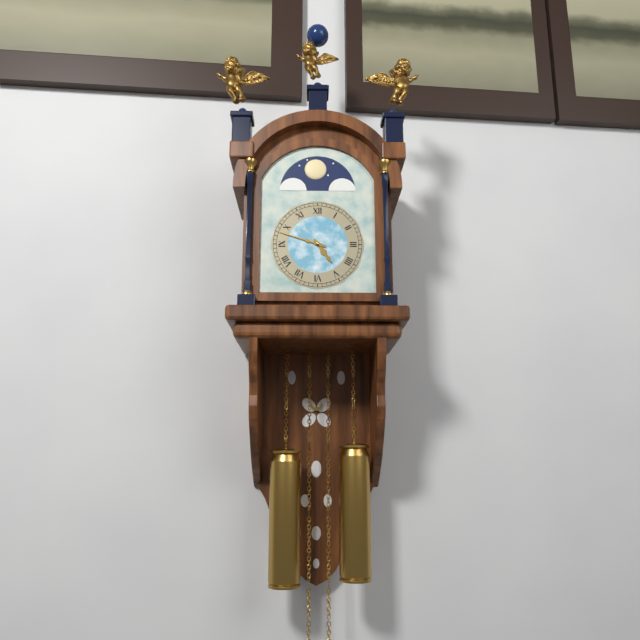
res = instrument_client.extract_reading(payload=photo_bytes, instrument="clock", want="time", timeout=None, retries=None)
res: 4:48
